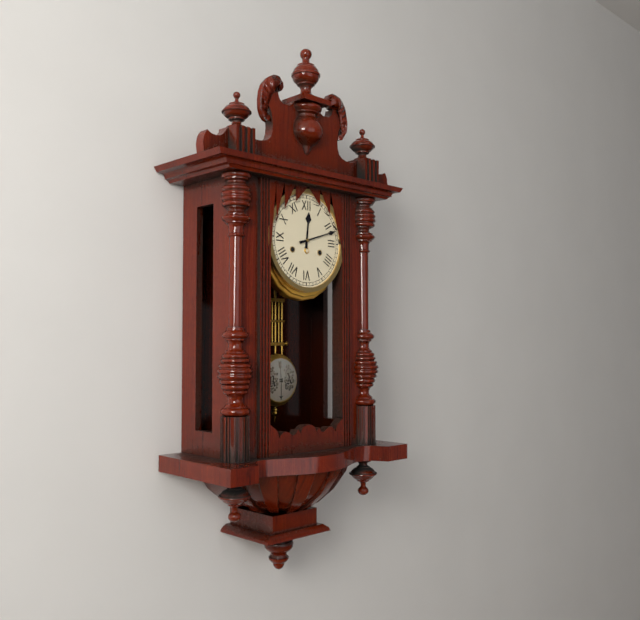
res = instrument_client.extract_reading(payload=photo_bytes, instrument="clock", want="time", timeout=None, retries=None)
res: 12:12
